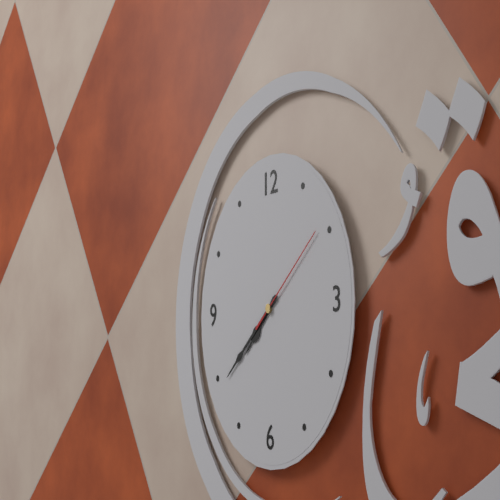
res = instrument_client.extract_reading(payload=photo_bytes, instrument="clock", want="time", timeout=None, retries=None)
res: 7:39:09
